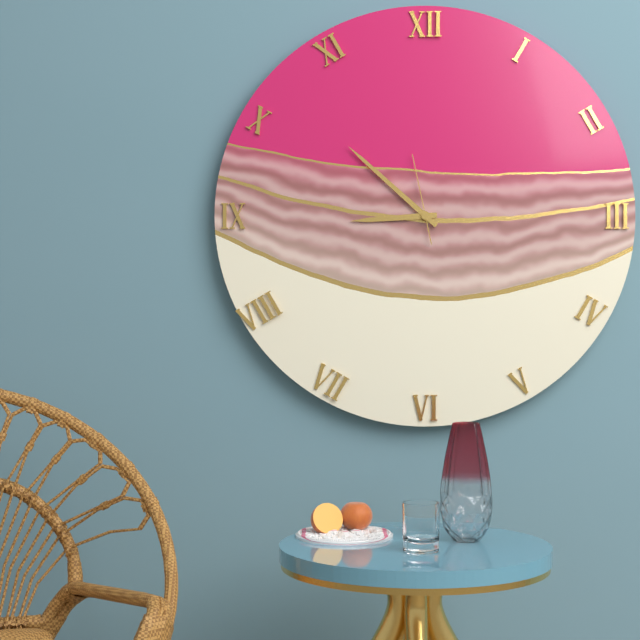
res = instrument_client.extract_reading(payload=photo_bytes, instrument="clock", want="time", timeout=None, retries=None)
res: 8:52:58
